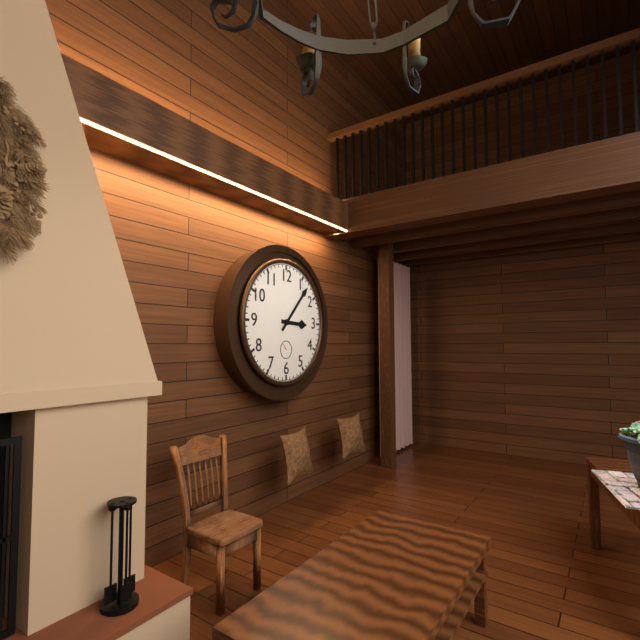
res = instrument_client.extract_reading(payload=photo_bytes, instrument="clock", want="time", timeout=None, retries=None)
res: 3:07
